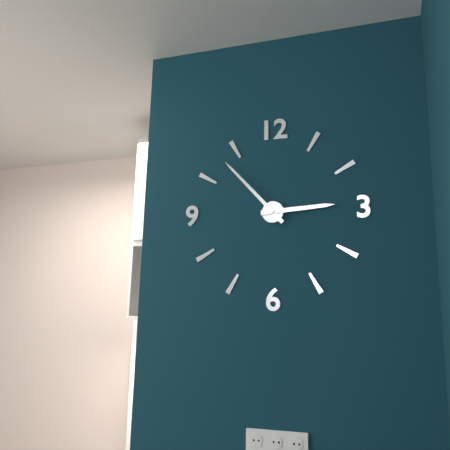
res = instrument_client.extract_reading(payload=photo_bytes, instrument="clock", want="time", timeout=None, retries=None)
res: 2:53
